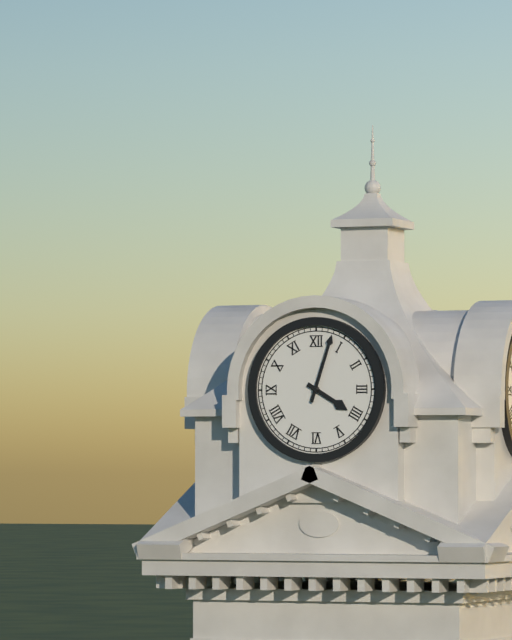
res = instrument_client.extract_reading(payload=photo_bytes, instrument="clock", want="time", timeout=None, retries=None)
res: 4:03
